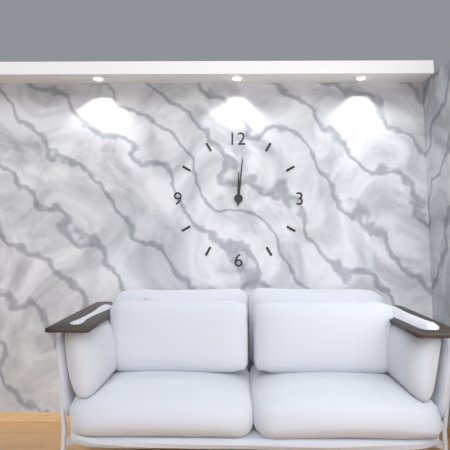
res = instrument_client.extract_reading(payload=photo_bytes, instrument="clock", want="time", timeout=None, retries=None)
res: 12:01
